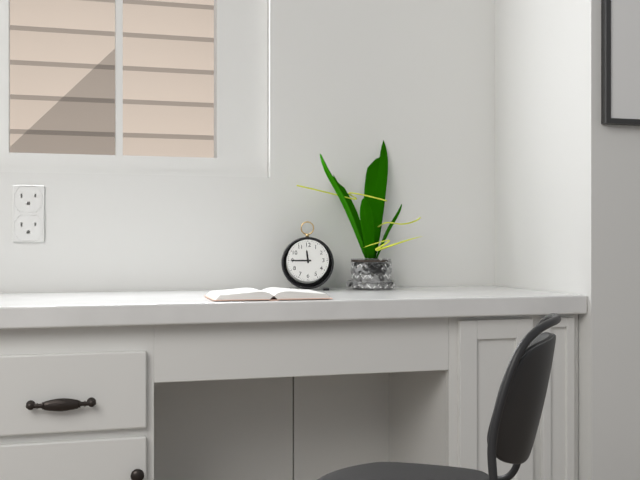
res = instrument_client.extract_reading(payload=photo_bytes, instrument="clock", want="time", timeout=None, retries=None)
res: 11:45
